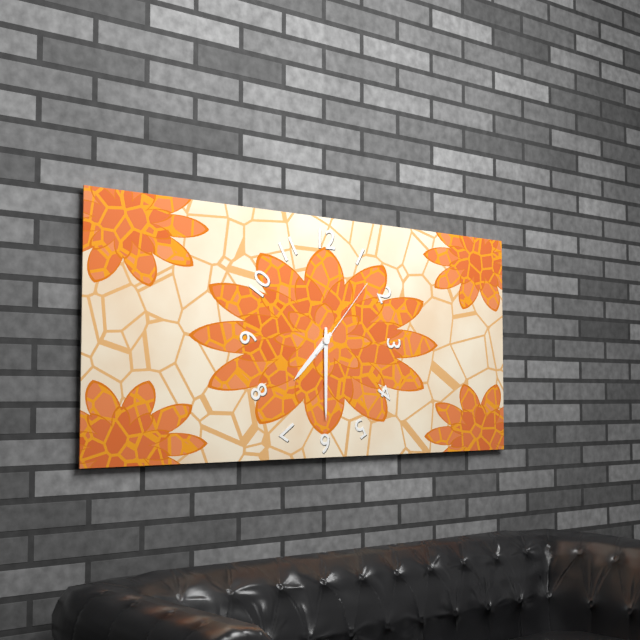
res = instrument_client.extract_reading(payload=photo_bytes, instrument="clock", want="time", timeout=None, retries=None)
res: 7:30:07
